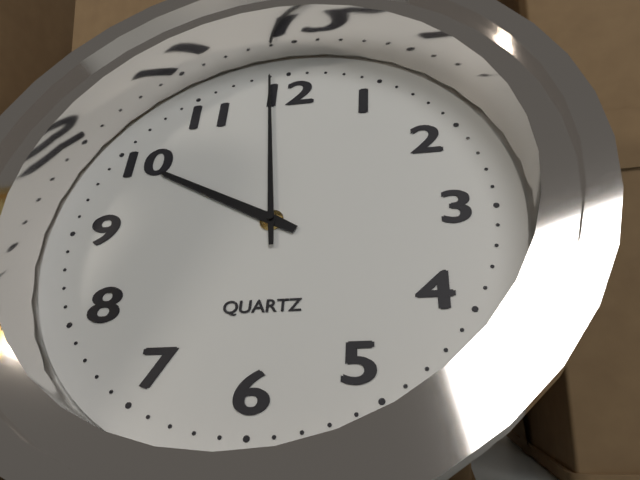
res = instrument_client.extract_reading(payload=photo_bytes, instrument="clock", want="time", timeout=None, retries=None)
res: 9:59
